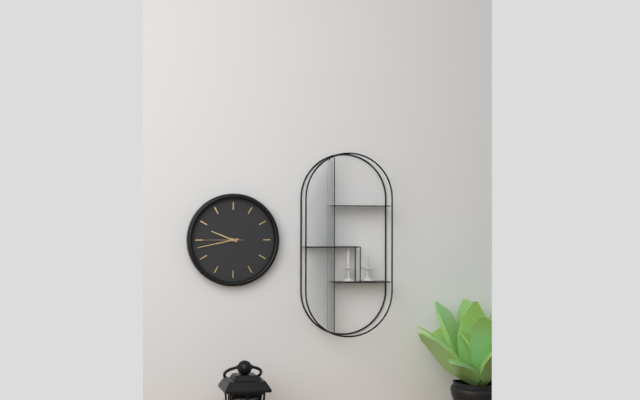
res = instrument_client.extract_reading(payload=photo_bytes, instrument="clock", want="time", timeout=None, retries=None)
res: 9:43
